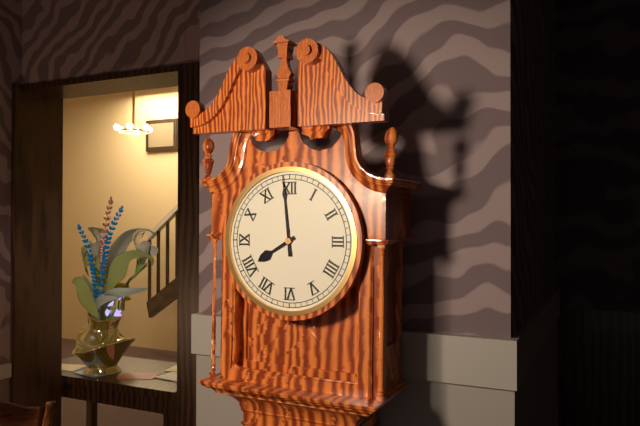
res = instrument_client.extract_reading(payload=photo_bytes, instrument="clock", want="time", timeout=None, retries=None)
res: 7:59
